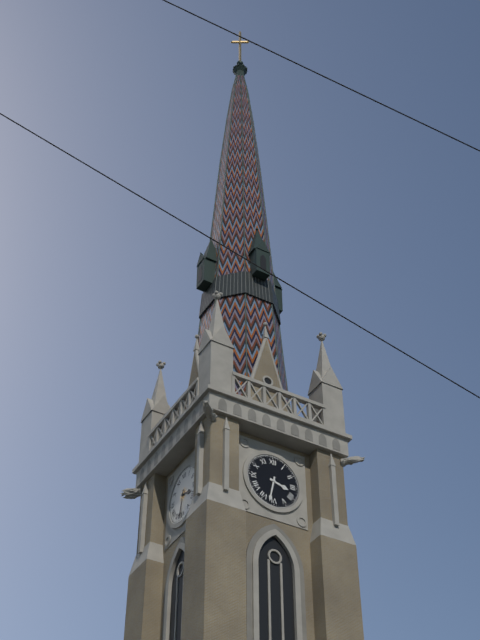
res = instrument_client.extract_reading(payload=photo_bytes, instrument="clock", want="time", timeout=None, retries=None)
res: 3:32
